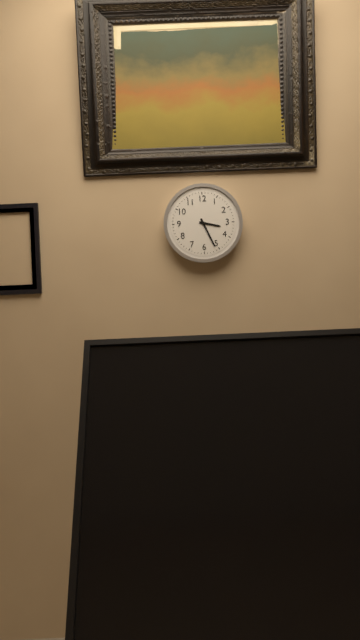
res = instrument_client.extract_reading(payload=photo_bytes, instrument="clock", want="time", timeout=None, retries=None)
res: 3:26
